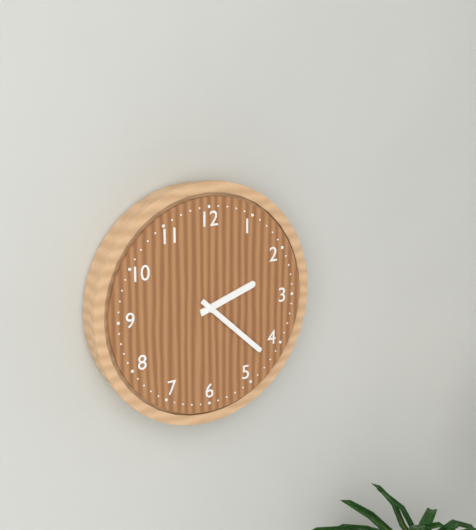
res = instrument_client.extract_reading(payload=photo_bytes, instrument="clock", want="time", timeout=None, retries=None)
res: 2:22
